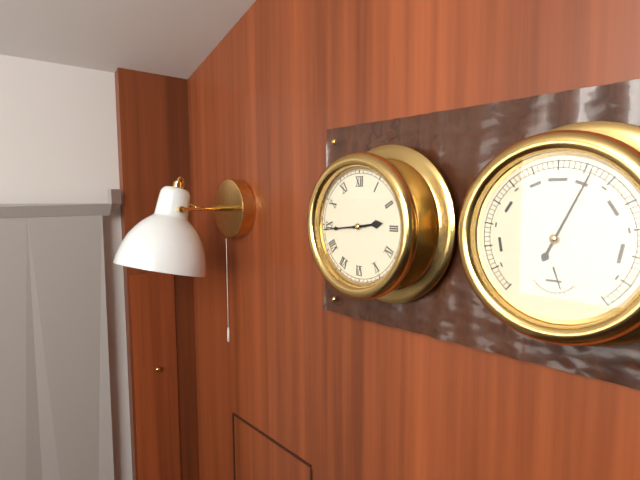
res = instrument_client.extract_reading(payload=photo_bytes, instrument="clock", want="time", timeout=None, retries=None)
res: 2:44
